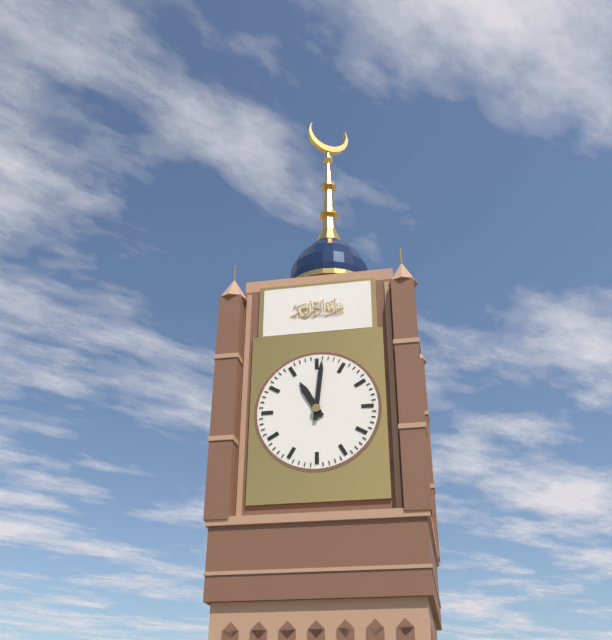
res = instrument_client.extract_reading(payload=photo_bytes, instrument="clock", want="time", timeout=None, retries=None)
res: 11:01
